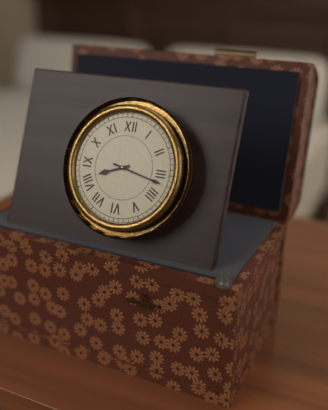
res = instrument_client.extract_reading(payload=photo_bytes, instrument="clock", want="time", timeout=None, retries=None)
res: 8:17
